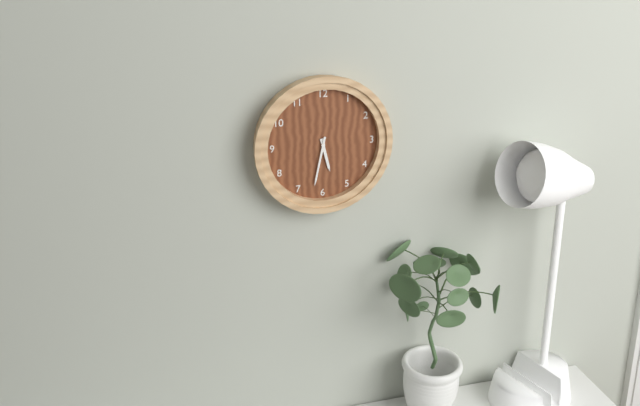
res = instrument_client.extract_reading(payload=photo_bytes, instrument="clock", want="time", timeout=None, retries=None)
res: 5:32
